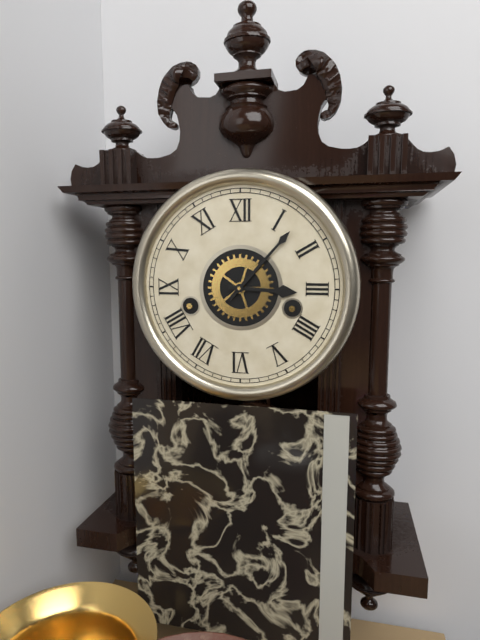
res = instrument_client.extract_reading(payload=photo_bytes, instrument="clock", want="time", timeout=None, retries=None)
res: 3:07
